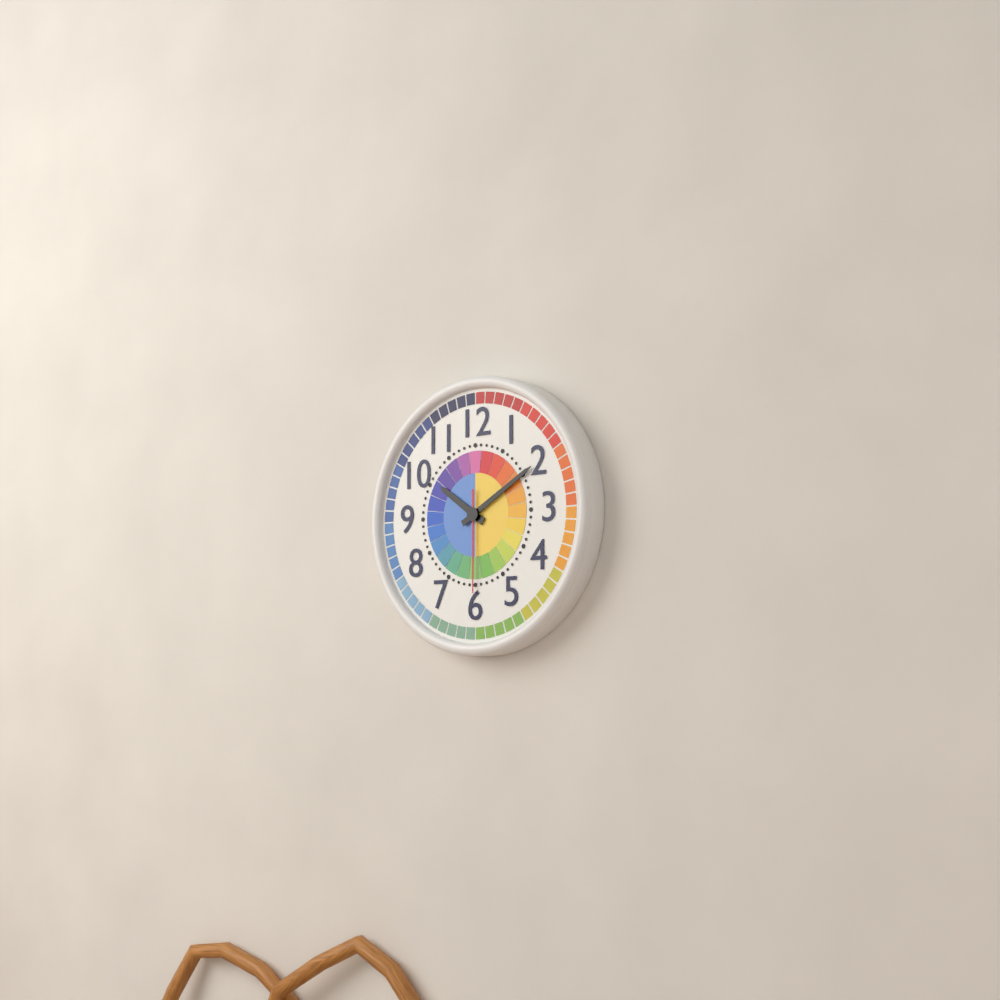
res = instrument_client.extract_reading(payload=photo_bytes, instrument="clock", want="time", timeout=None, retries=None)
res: 10:10:30
